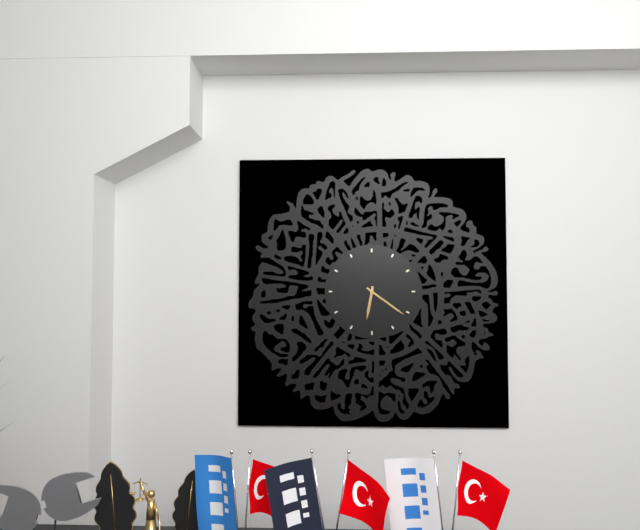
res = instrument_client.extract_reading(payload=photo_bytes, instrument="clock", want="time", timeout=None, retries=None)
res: 6:21
